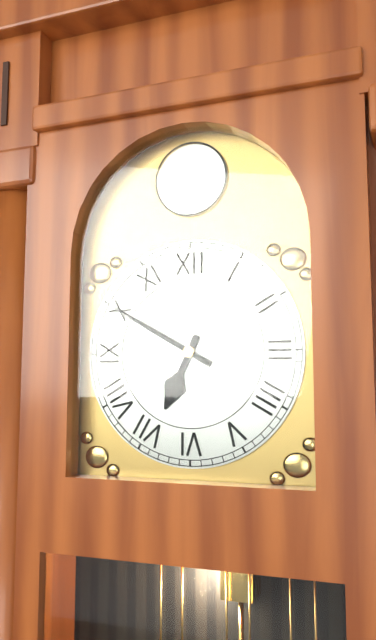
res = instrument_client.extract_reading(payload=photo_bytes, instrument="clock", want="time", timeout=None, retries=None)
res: 6:50
